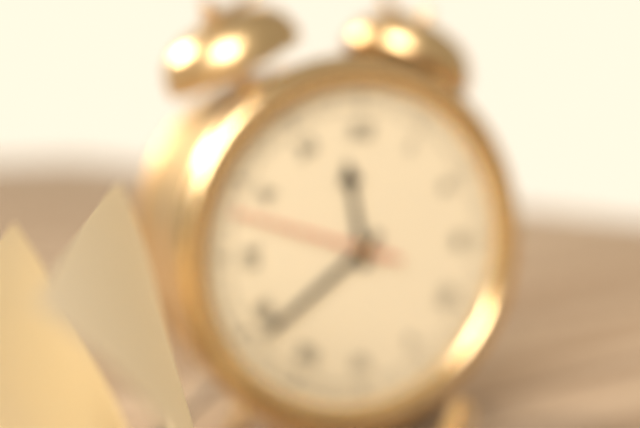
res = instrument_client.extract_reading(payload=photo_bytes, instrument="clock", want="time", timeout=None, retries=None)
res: 11:39:48
